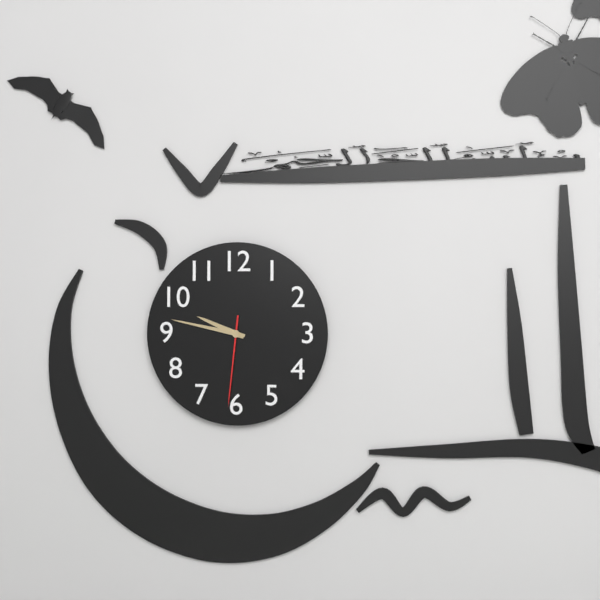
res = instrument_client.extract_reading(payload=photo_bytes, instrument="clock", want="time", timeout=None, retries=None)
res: 9:47:31
